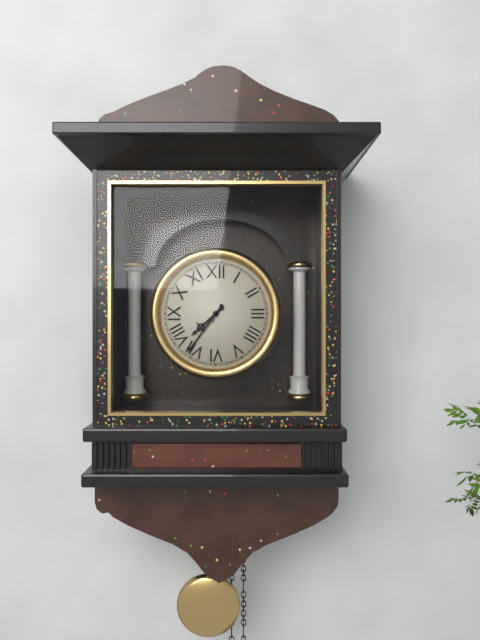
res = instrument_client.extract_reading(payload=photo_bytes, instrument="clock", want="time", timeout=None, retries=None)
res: 7:36
